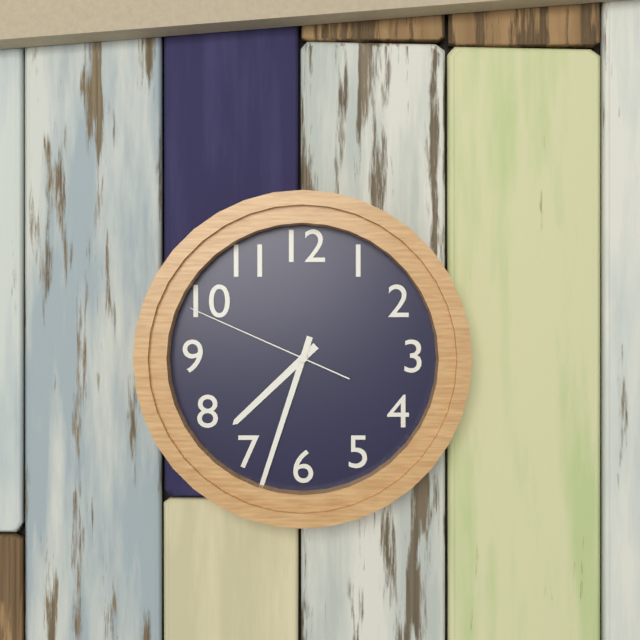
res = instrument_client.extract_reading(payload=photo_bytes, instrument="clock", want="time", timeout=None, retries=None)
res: 7:33:49
